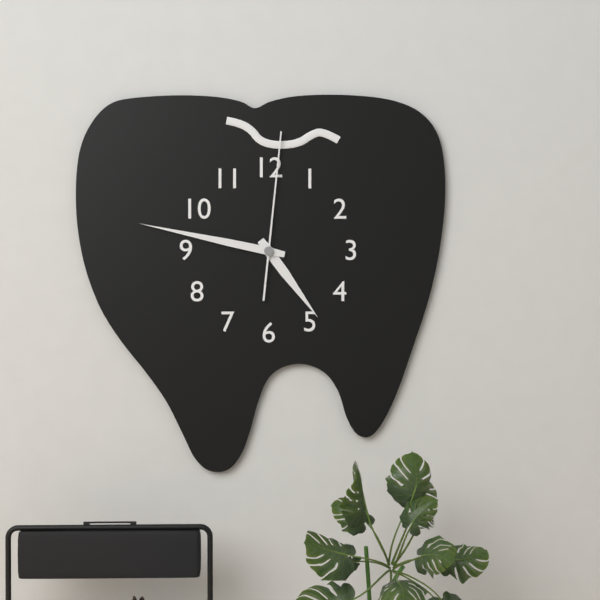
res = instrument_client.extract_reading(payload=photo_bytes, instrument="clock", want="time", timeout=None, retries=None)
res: 4:47:01
